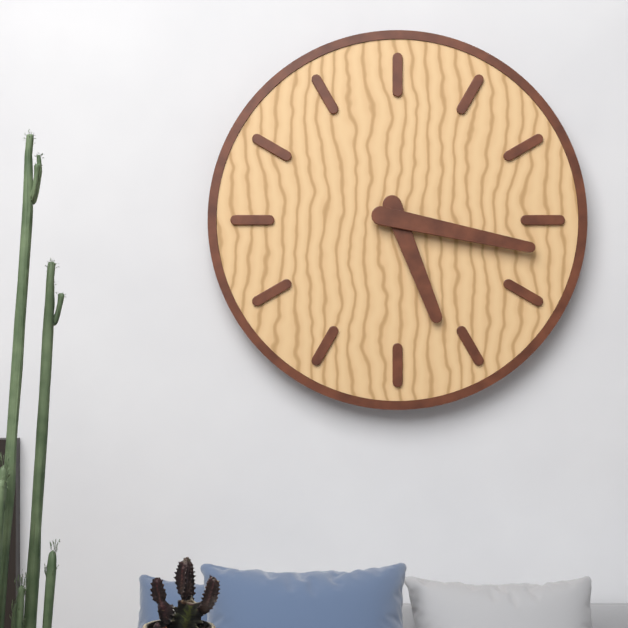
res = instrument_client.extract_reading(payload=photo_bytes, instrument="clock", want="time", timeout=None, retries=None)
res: 5:17
